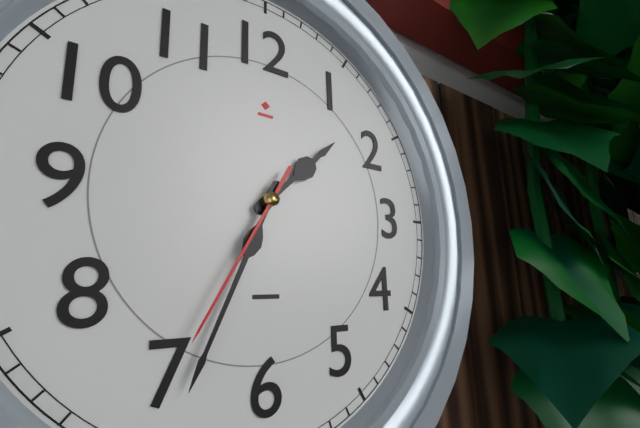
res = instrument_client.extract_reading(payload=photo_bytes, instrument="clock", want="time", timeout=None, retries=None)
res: 1:34:35
